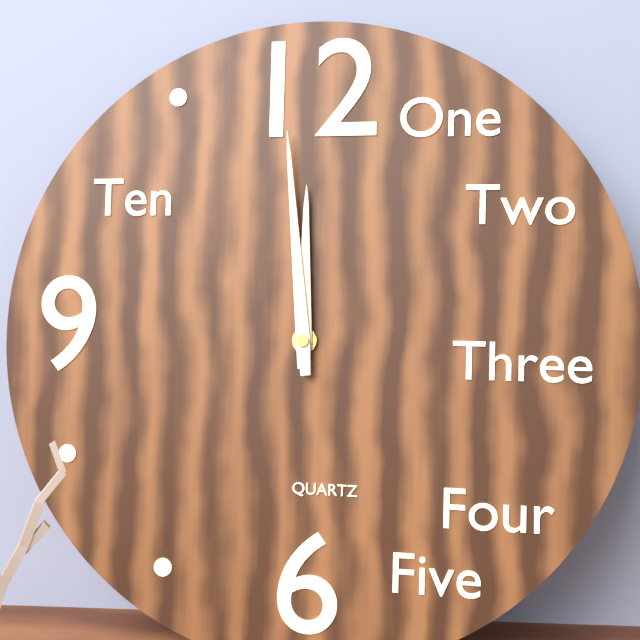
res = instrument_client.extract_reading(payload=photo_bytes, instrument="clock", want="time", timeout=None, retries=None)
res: 11:59
